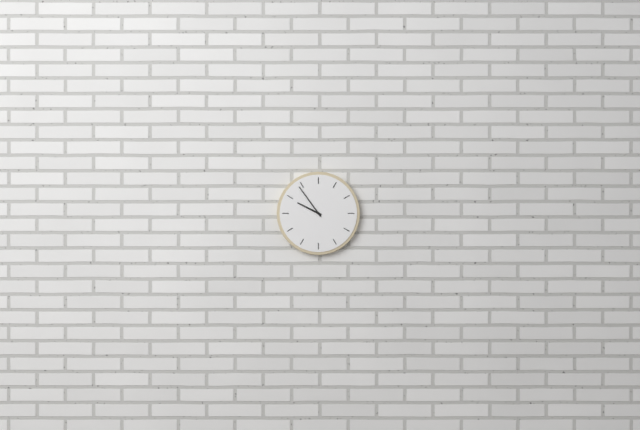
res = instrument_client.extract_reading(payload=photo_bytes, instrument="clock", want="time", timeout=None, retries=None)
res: 9:54
